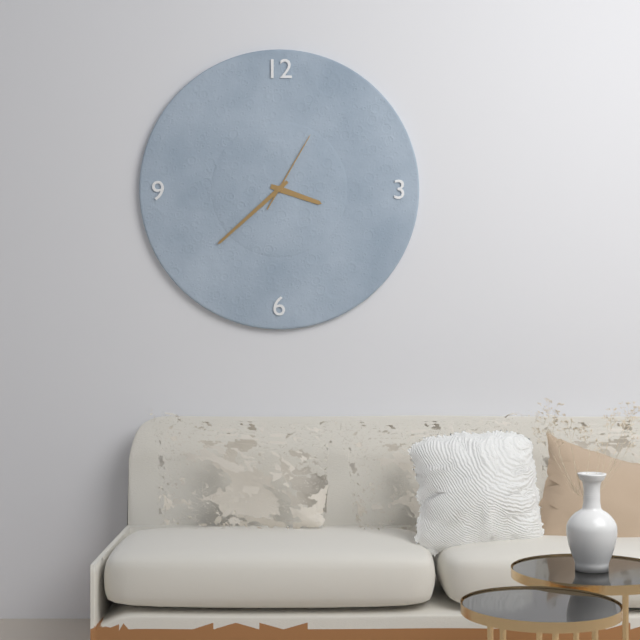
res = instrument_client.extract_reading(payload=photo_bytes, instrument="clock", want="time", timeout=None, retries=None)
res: 3:38:05
